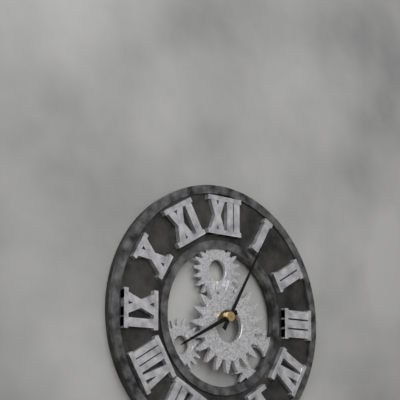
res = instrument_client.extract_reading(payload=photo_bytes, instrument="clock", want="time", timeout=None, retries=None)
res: 8:05
